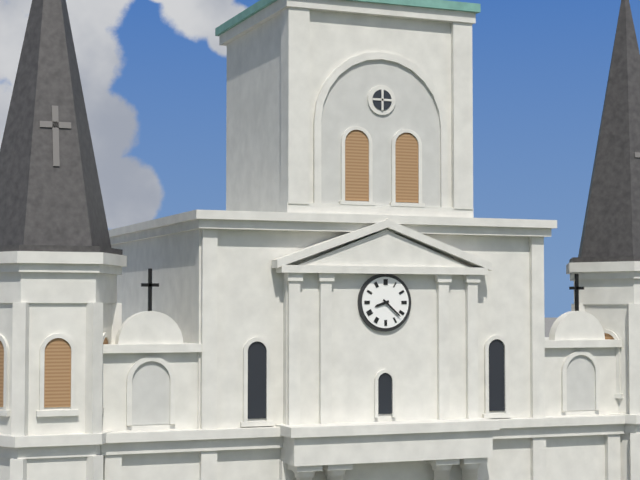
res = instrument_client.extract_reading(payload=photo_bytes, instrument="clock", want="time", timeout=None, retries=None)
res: 8:22
